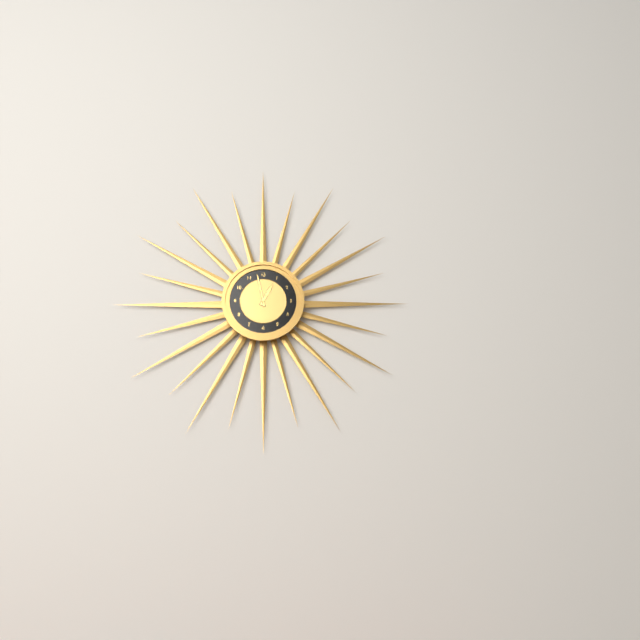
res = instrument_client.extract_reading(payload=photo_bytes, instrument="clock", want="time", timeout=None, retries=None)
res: 12:58
